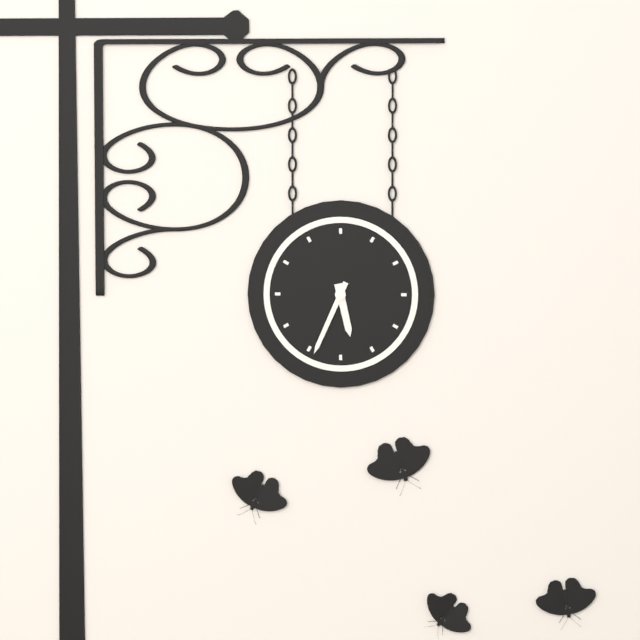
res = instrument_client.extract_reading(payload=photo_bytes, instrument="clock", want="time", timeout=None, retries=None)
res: 5:34
